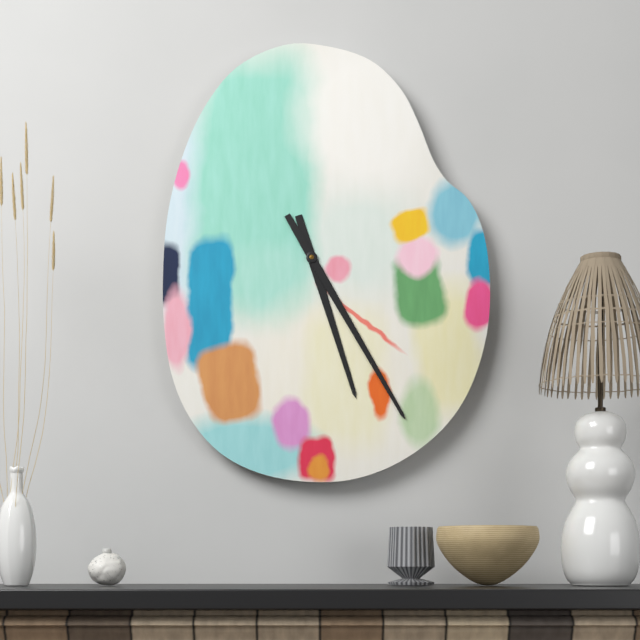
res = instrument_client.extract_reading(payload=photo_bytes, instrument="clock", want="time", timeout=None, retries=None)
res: 5:25
